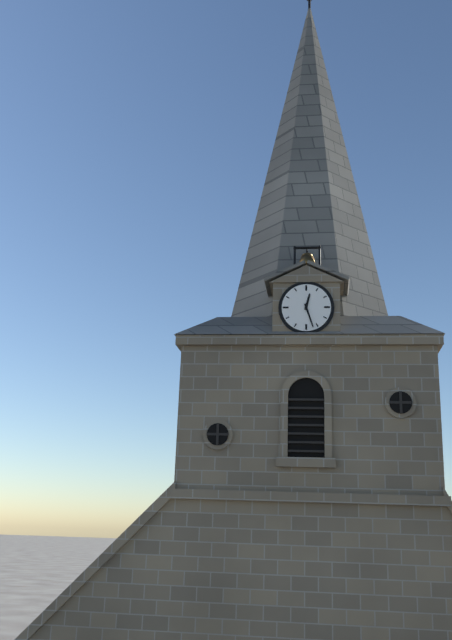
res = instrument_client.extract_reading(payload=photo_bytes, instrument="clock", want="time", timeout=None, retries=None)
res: 12:27
